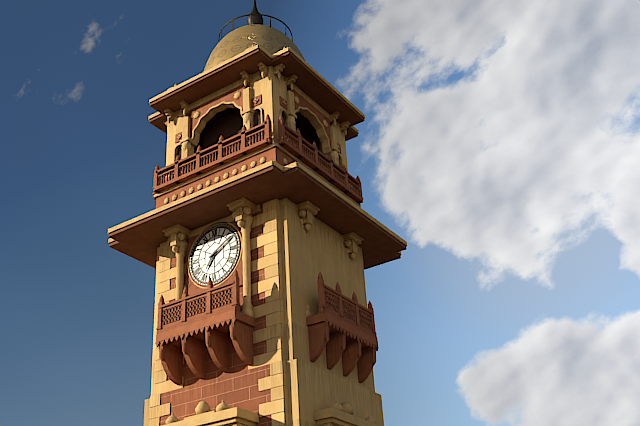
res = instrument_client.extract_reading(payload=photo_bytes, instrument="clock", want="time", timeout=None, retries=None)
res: 7:10
